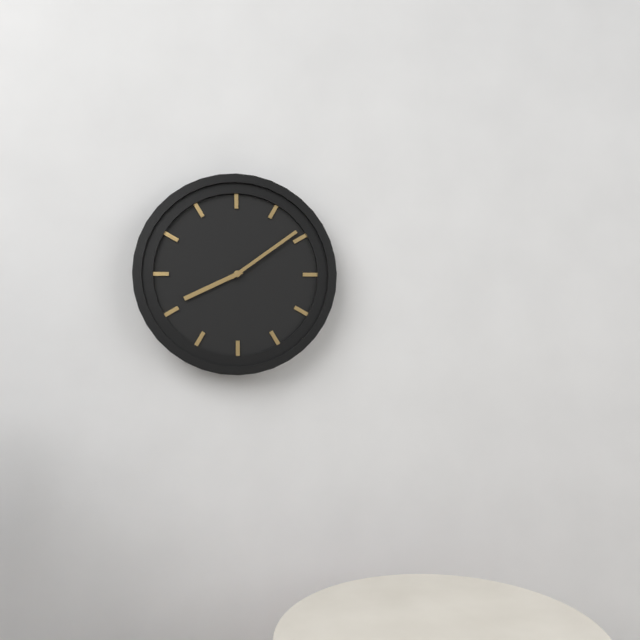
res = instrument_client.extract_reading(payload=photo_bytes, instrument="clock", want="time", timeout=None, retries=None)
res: 8:09
